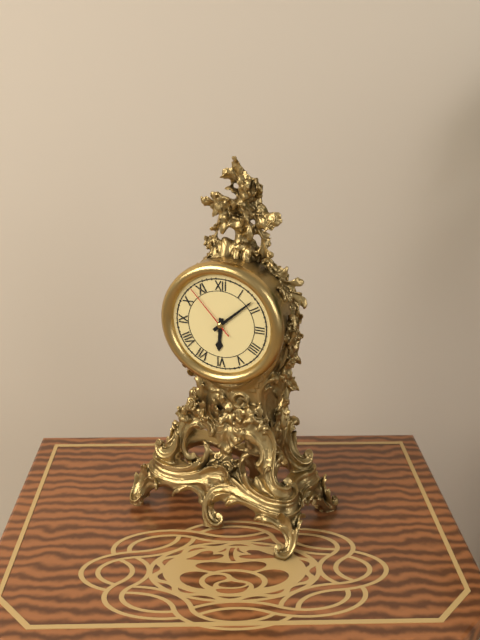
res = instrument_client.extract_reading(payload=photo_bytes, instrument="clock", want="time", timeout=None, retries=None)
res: 6:08:53
